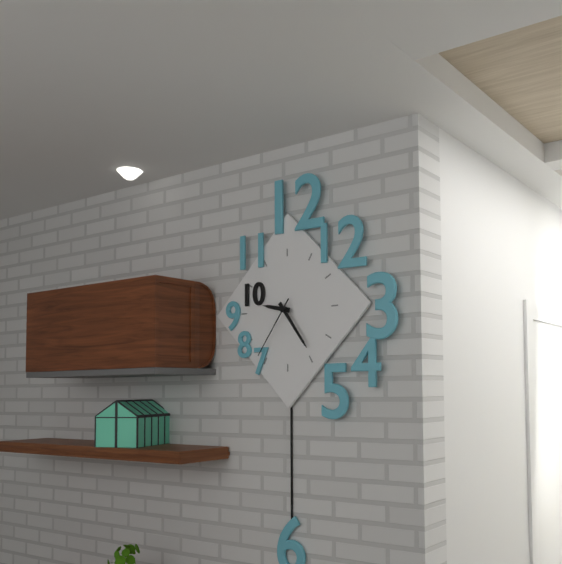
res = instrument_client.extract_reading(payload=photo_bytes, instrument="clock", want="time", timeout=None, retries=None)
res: 9:24:36
